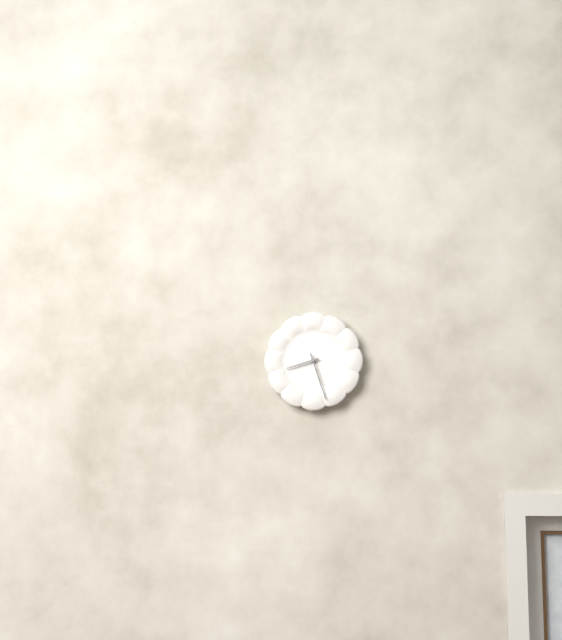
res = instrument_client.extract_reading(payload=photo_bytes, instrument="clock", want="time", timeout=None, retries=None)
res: 8:27
